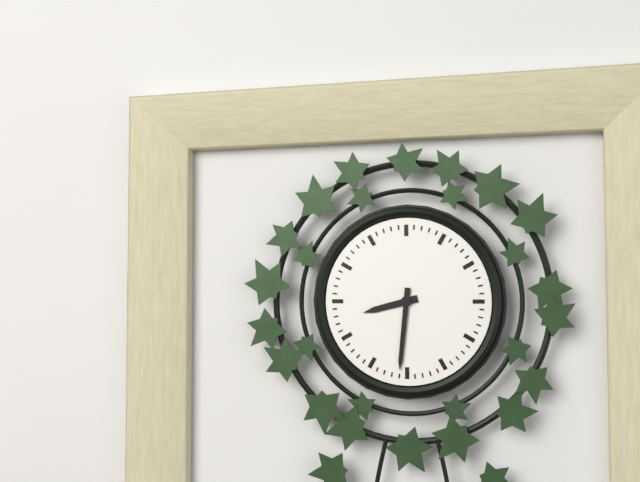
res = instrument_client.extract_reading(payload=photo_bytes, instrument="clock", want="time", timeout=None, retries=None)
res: 8:31
